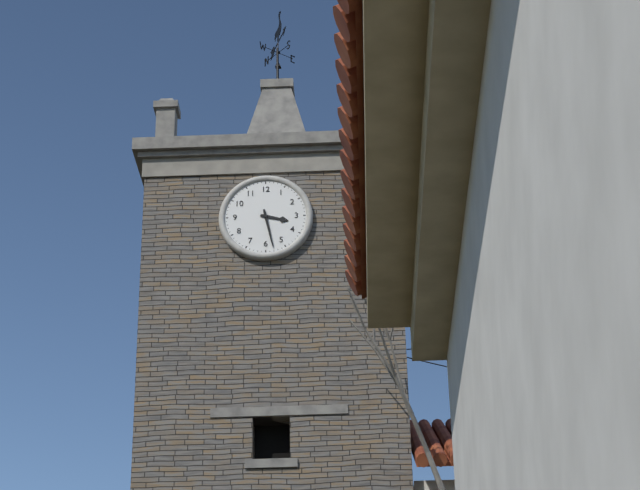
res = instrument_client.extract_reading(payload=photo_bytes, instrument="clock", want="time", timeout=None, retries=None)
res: 3:28
